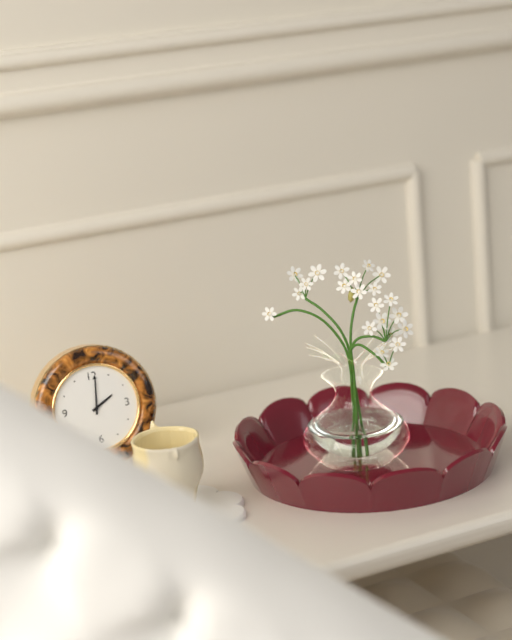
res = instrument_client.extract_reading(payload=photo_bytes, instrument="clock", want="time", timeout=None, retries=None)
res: 2:01
